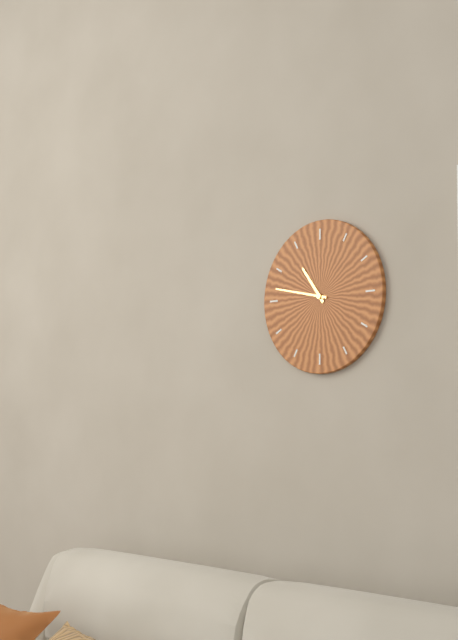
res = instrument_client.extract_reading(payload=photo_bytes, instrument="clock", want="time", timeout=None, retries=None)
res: 10:47
